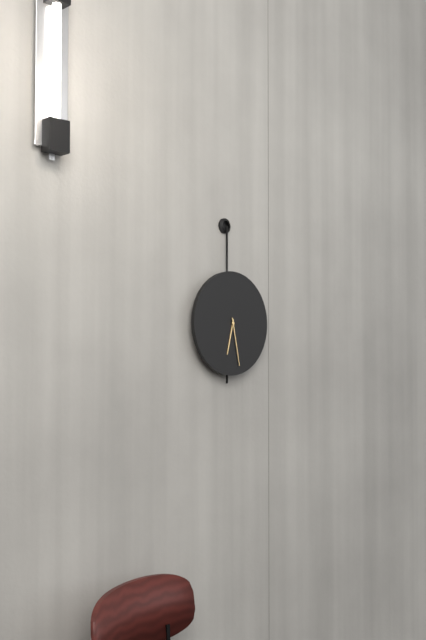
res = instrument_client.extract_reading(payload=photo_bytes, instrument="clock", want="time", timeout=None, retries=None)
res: 6:28
